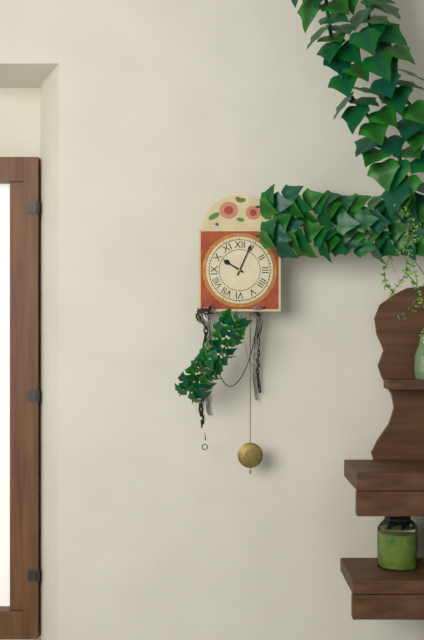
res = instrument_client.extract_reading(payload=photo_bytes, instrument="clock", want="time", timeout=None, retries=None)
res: 10:04
